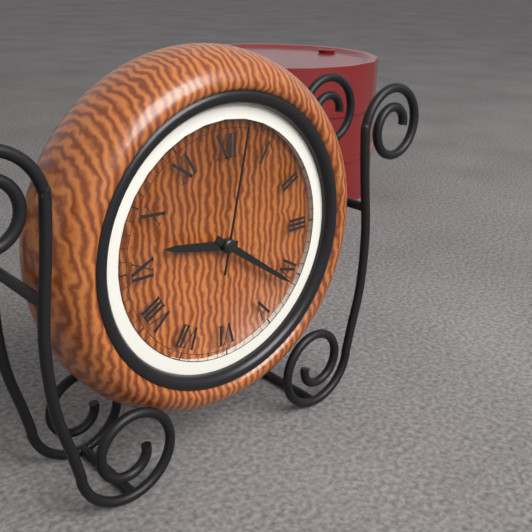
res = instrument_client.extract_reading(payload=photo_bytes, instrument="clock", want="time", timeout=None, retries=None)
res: 9:21:02
